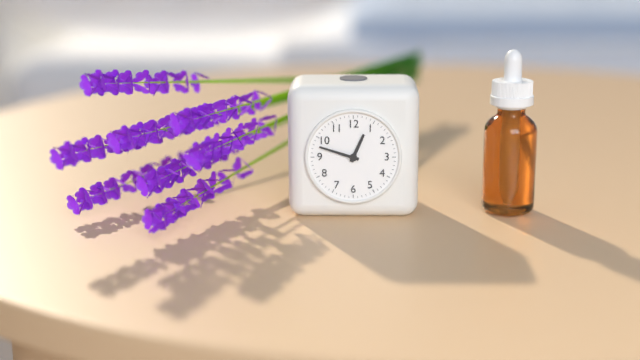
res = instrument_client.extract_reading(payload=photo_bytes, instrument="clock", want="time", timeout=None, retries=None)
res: 12:48
